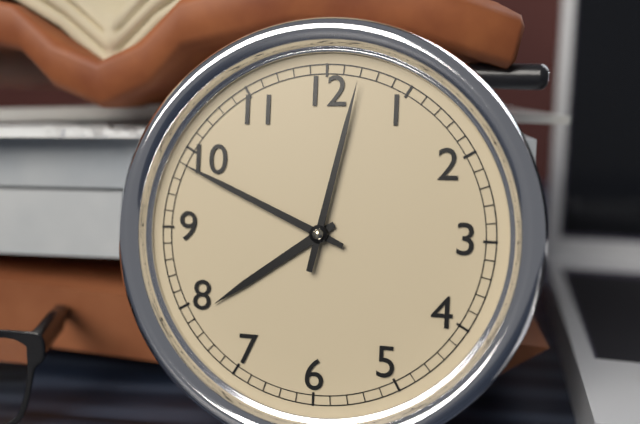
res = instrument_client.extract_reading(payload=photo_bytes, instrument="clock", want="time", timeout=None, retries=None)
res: 7:49:02
